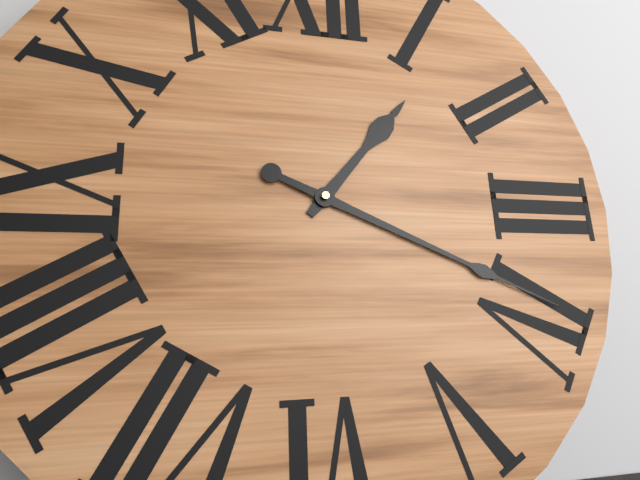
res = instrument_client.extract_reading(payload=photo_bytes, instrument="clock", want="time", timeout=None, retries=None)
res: 1:19
